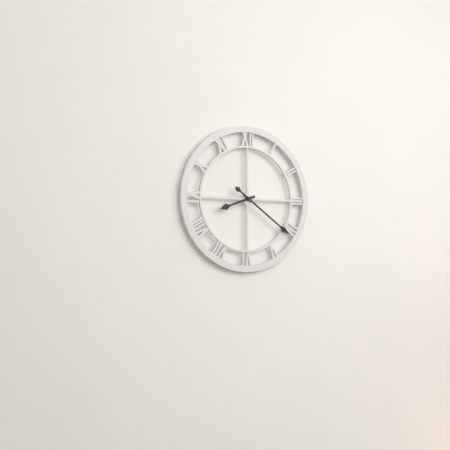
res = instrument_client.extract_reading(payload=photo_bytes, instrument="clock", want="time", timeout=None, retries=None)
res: 8:21
